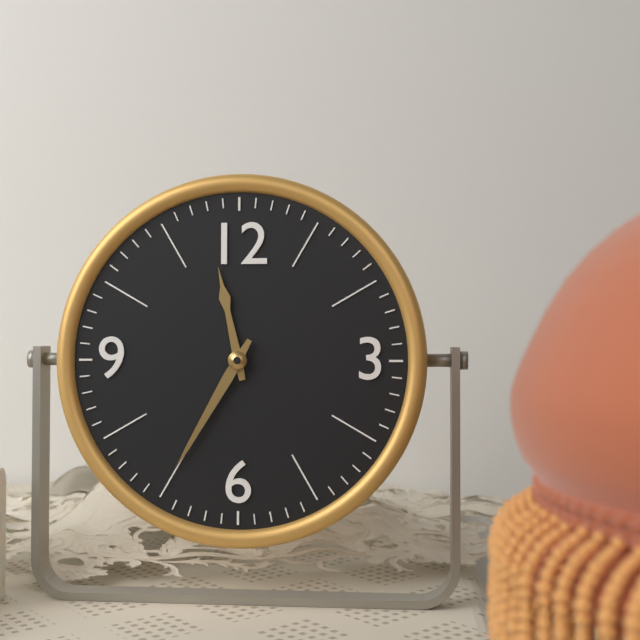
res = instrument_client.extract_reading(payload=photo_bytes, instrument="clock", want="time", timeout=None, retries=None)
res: 11:35
